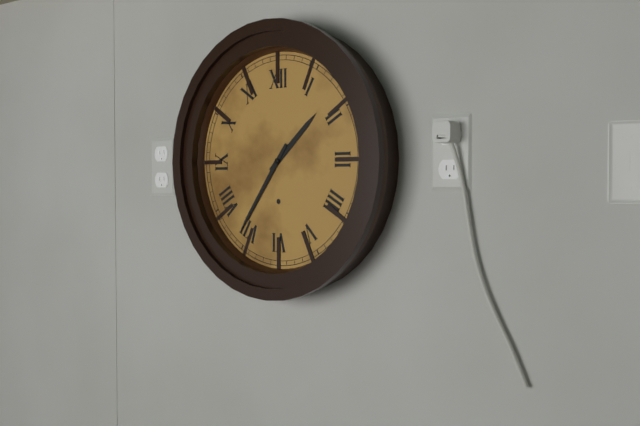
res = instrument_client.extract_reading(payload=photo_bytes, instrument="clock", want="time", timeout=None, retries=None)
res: 1:36
